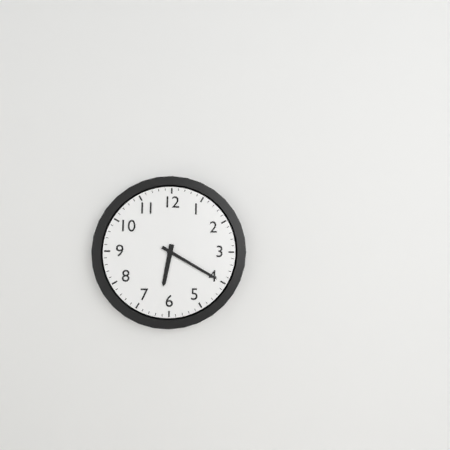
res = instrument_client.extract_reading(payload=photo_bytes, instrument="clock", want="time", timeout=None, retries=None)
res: 6:20
